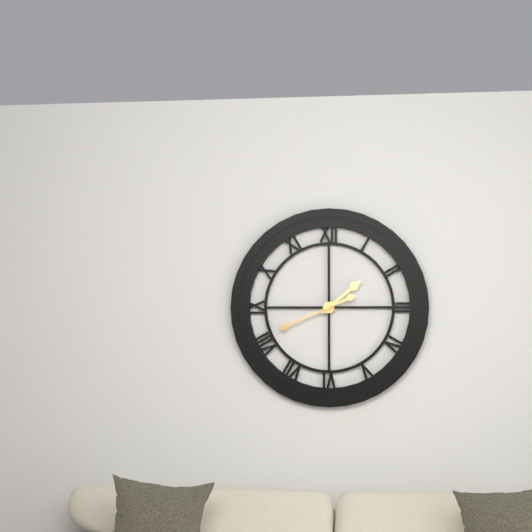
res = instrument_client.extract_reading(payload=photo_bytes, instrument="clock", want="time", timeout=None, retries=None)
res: 1:41
